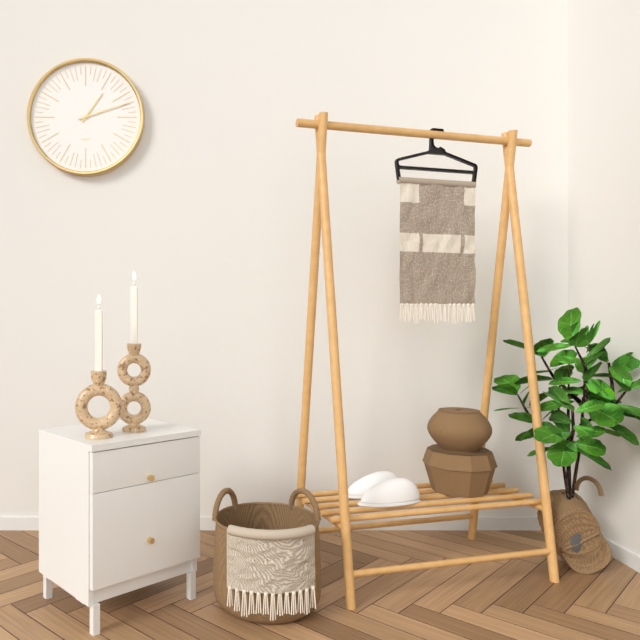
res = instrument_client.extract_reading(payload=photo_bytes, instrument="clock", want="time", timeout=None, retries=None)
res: 1:12
